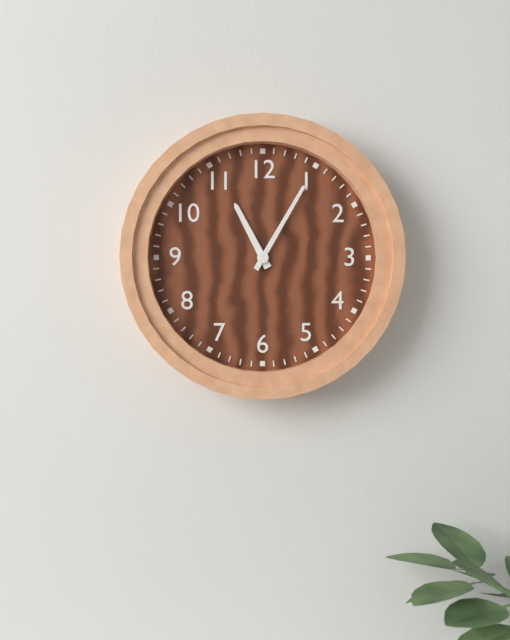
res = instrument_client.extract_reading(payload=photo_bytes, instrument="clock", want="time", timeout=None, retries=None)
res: 11:05
